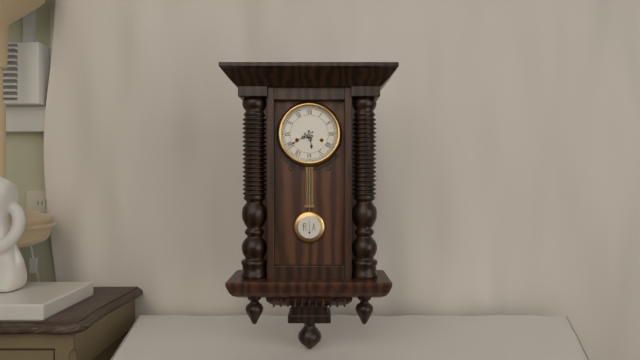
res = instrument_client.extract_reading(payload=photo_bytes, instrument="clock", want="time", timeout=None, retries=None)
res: 5:40
